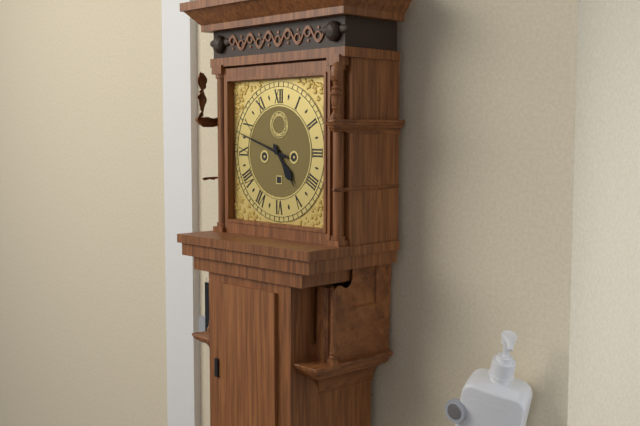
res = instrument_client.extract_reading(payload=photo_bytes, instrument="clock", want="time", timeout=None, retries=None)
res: 4:48
